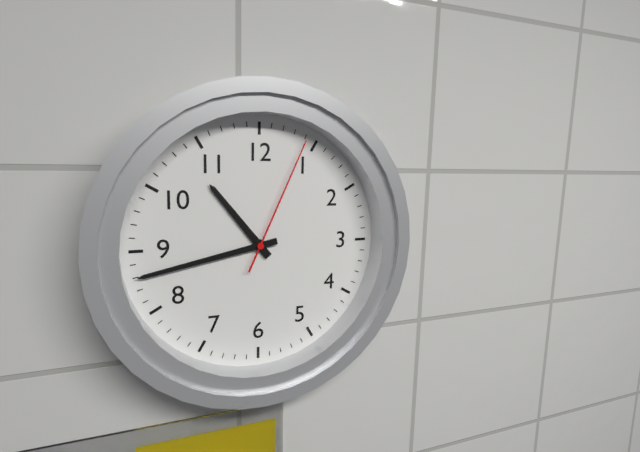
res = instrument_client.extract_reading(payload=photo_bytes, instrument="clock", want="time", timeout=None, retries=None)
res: 10:43:04
